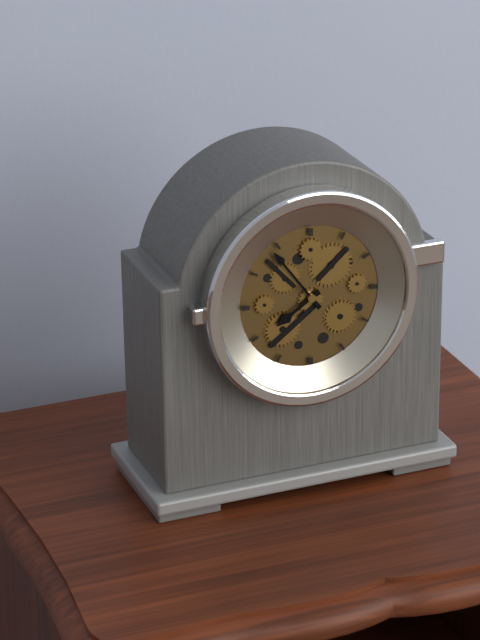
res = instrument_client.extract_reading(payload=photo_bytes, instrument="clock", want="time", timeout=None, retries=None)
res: 7:54
